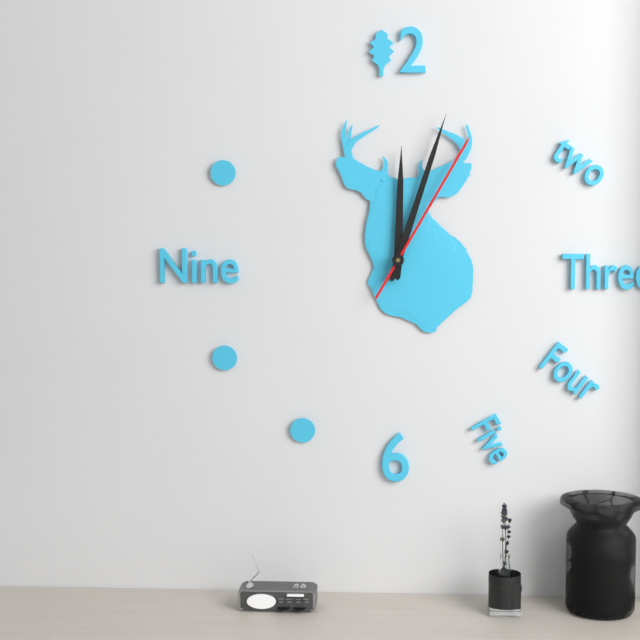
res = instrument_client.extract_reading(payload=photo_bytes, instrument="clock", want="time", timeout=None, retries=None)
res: 12:03:05
